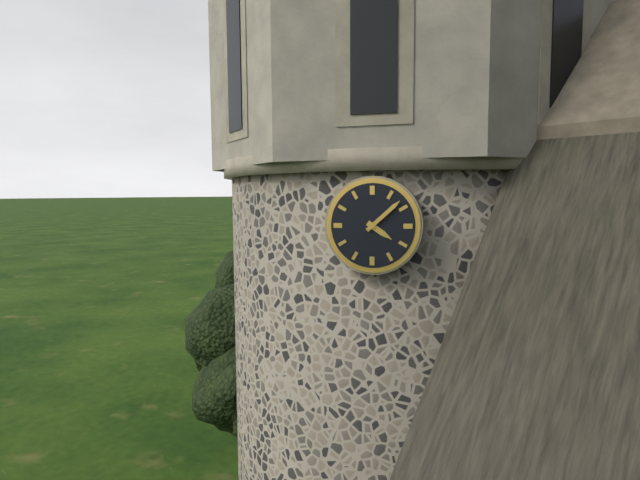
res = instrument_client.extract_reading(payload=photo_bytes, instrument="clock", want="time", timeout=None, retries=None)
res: 4:08
